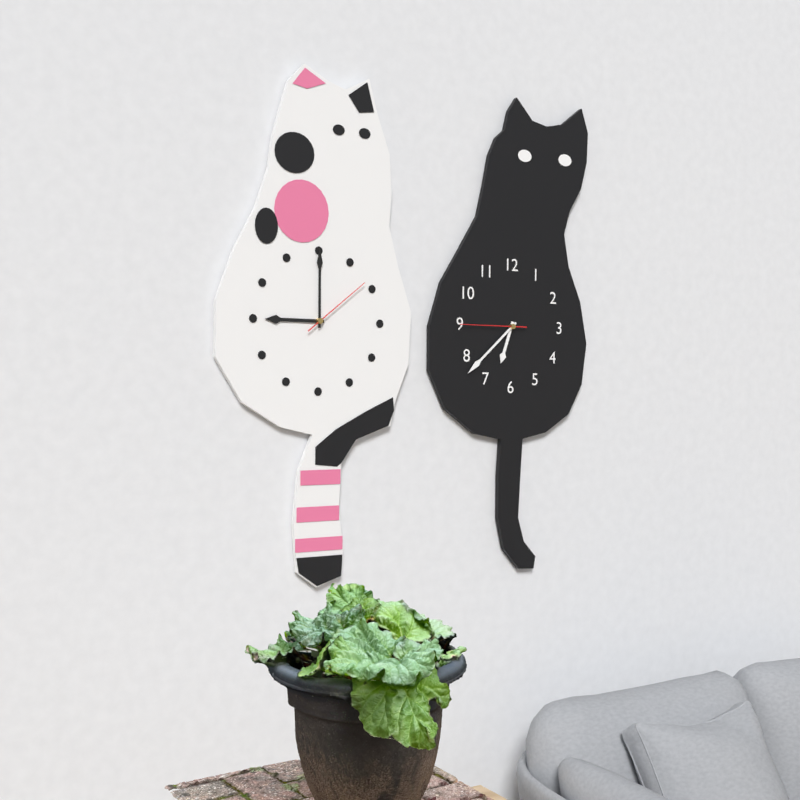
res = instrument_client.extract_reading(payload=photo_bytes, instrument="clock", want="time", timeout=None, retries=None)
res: 6:38:45
